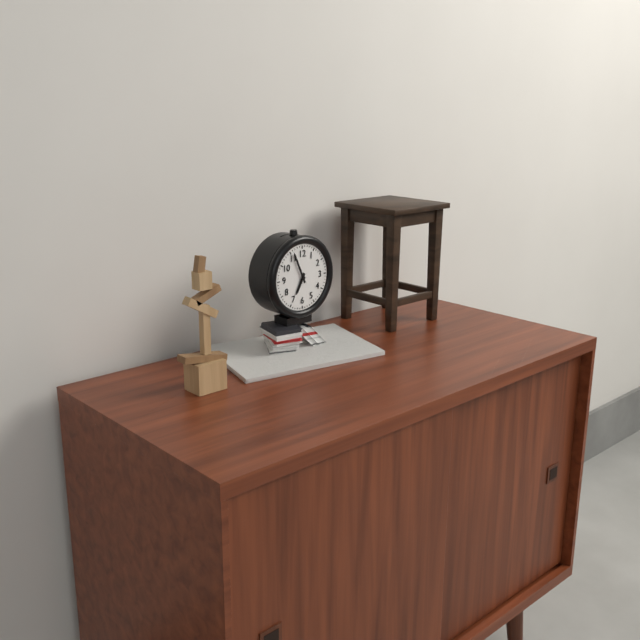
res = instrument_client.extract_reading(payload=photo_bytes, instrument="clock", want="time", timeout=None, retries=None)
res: 6:56
